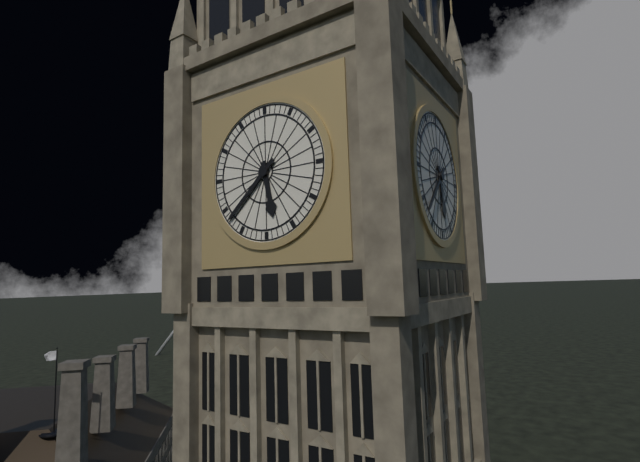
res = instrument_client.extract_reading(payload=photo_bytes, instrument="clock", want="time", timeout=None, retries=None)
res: 5:38
